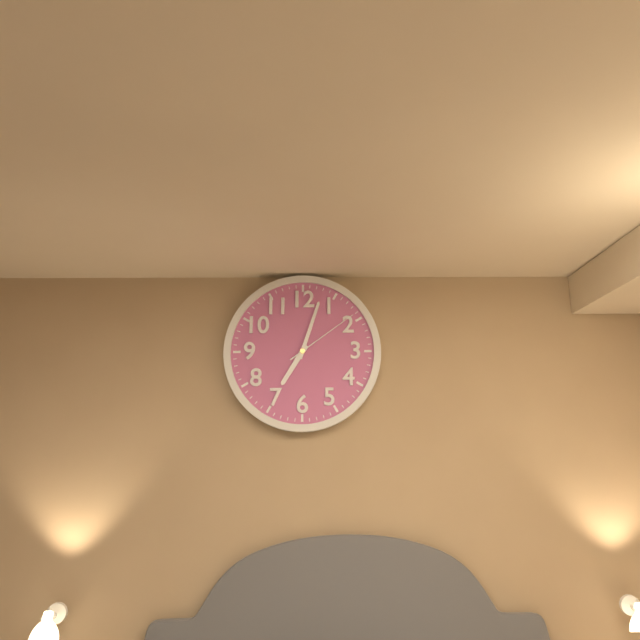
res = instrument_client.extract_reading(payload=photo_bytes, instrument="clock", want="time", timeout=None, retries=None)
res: 7:03:09
